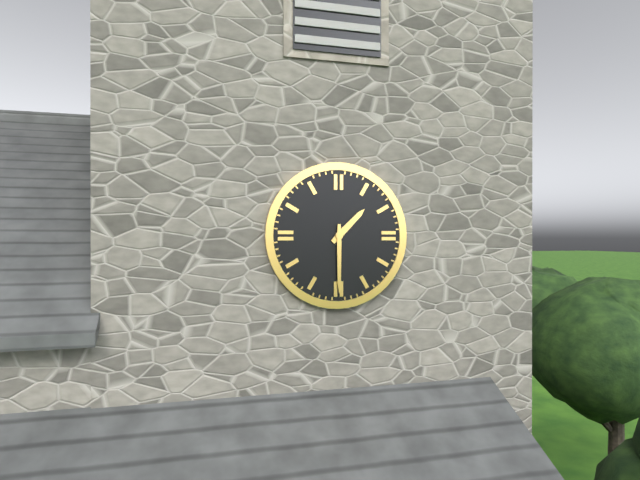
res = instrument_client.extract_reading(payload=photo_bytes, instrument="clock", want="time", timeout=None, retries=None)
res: 1:30
